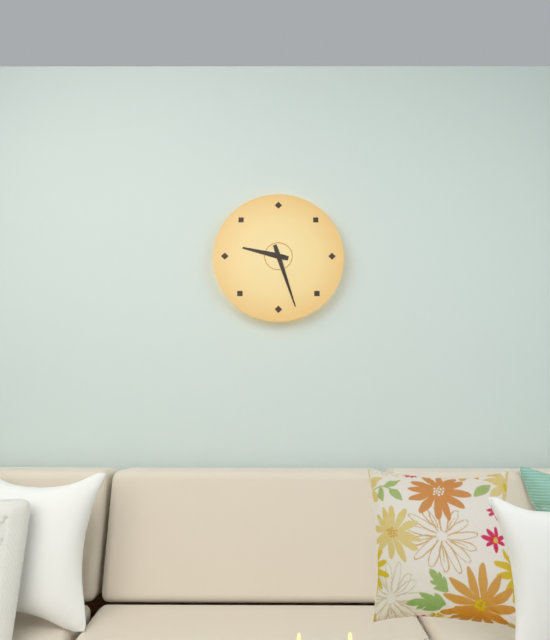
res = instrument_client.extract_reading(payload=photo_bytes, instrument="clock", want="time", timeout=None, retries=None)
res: 9:27
